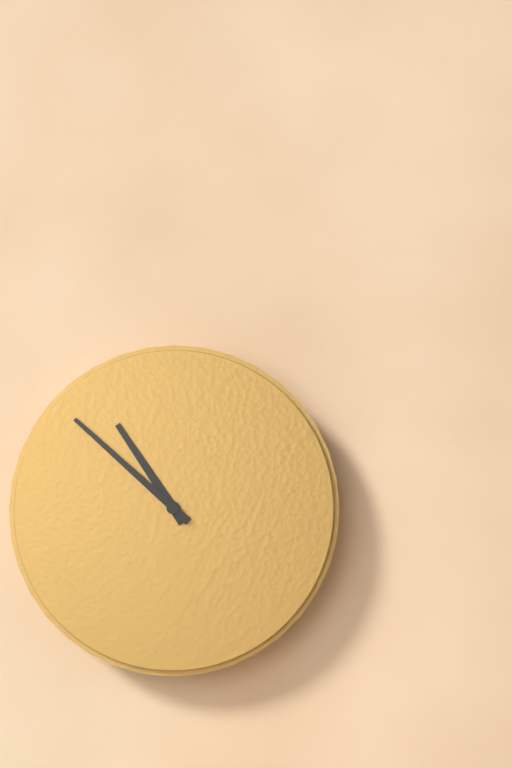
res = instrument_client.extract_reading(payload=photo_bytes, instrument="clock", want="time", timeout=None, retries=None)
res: 10:52
